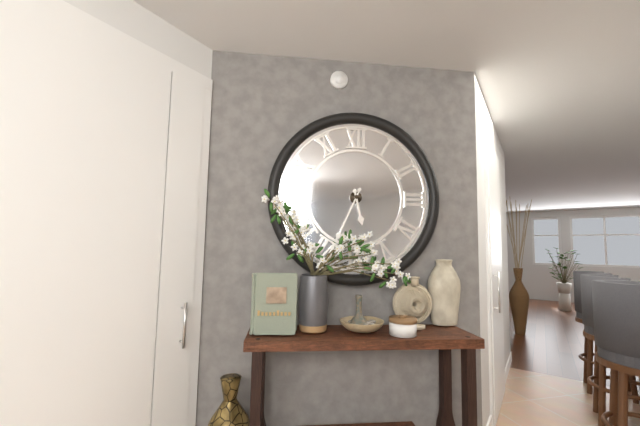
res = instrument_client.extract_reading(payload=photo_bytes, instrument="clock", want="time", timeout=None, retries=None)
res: 5:34
